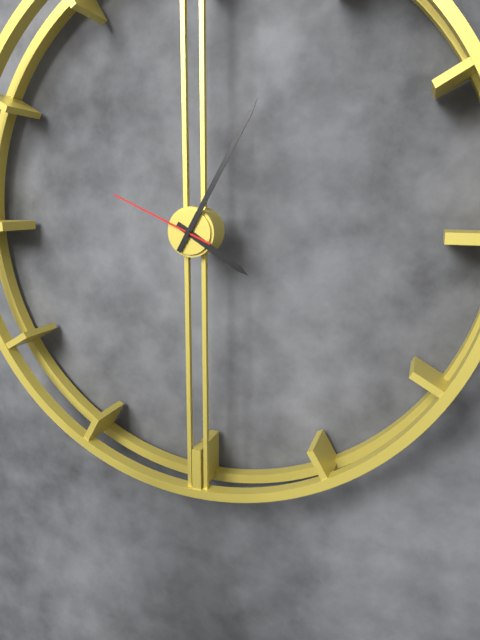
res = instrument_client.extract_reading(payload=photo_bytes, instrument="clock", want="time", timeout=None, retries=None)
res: 4:05:49
